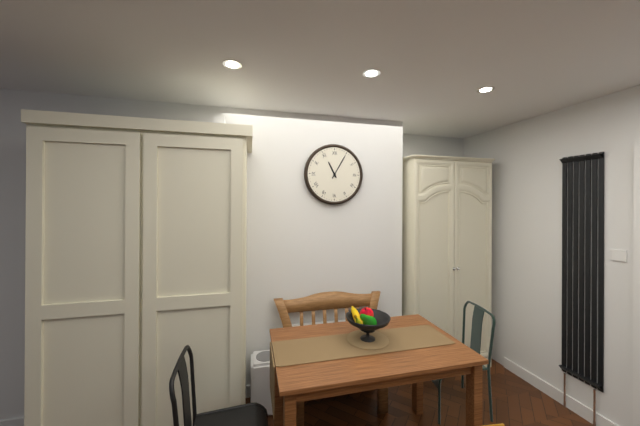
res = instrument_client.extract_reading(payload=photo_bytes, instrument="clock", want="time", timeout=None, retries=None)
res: 11:05
